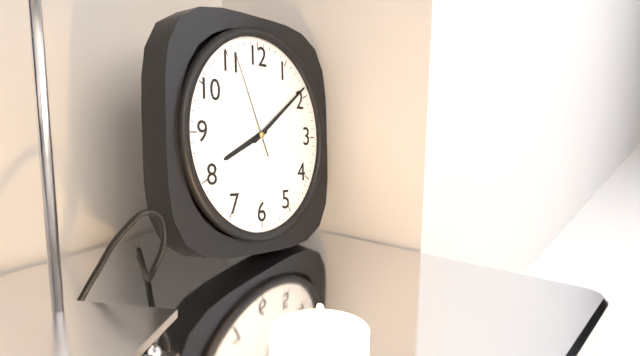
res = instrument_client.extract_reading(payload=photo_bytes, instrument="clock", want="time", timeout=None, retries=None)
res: 8:09:56
